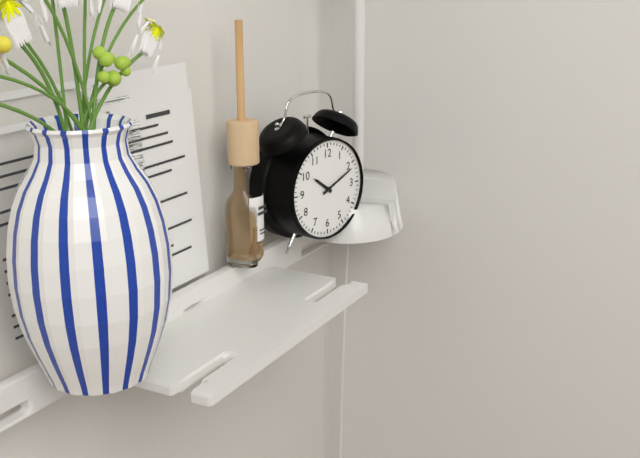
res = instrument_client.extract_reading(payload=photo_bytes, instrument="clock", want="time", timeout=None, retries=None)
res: 10:11
